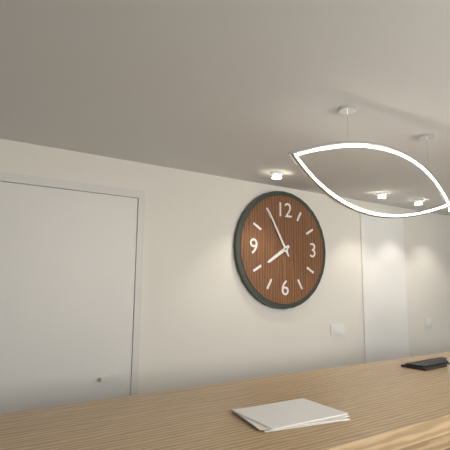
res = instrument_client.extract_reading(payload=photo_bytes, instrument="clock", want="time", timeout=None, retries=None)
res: 7:55
